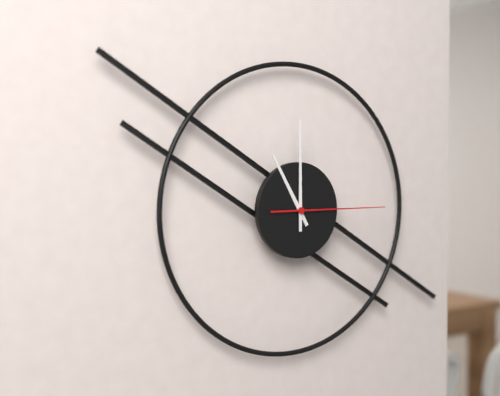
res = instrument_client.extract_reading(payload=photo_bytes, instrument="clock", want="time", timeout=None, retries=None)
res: 11:00:15
